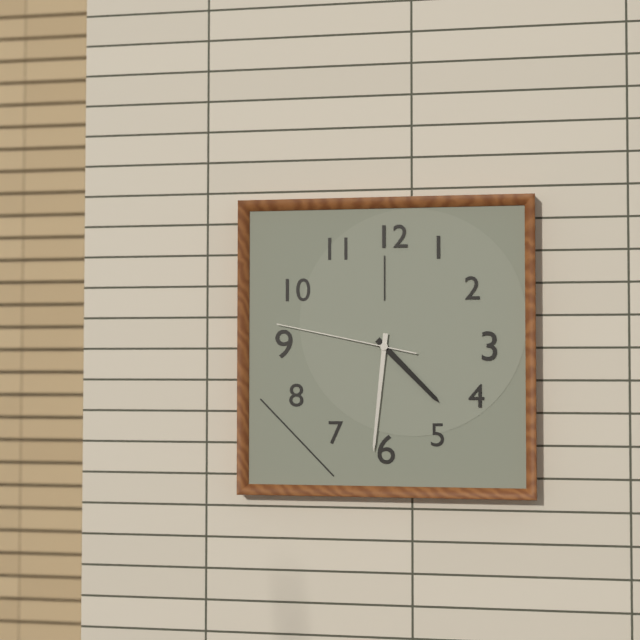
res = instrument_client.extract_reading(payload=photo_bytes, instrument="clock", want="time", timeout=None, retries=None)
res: 4:31:47
